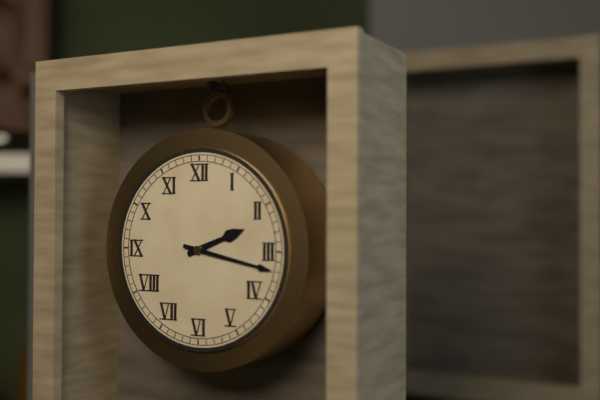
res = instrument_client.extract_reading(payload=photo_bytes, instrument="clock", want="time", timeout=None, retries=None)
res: 2:17
